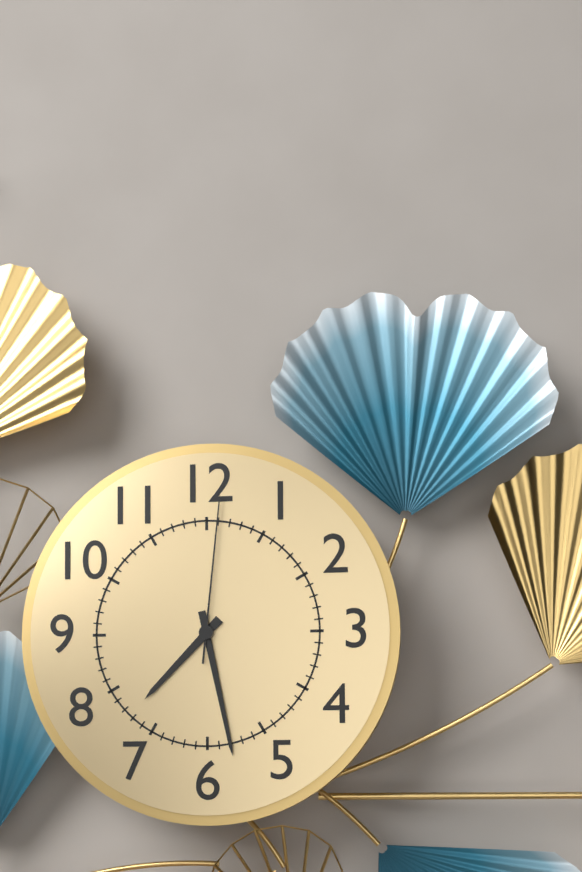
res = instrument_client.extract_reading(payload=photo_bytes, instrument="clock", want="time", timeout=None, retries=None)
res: 7:28:01
